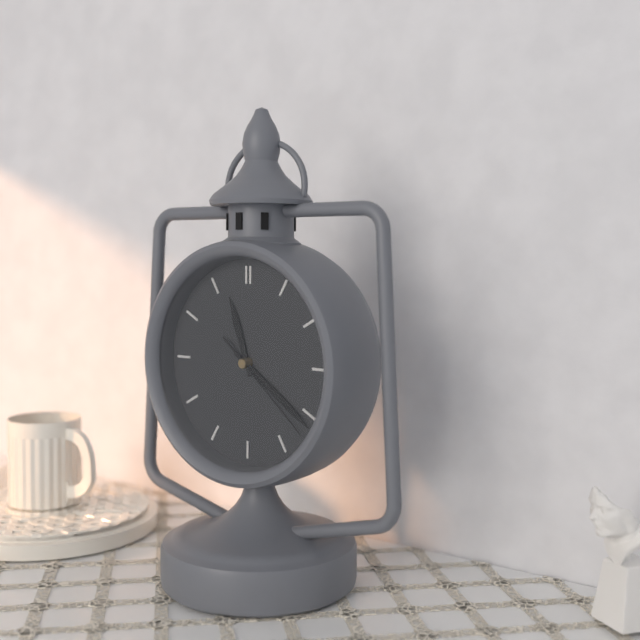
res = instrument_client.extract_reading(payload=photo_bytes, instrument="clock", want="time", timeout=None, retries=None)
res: 11:21:22
